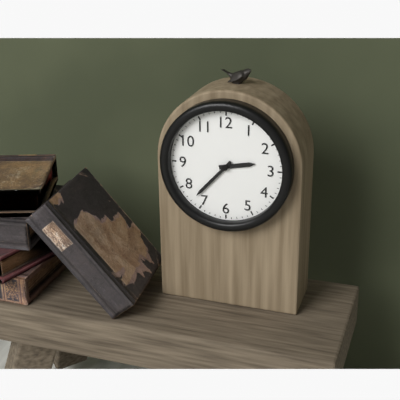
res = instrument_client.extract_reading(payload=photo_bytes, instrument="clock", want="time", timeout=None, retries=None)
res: 2:37
